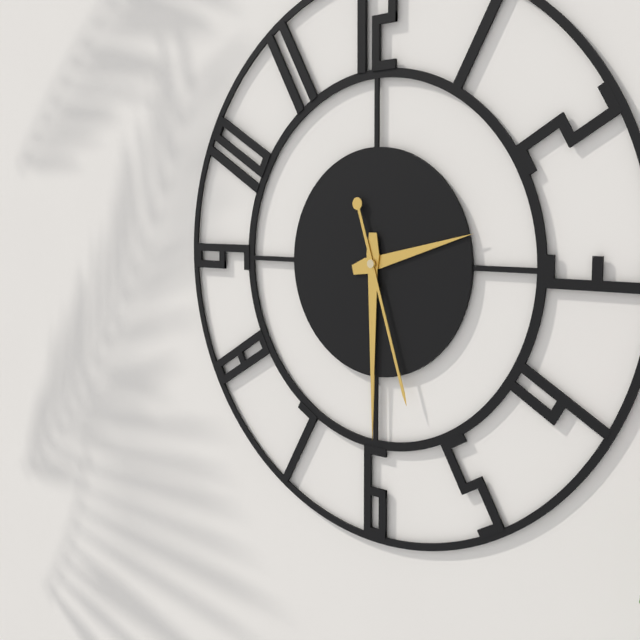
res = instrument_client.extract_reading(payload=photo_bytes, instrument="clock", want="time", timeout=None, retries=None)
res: 2:30:27
